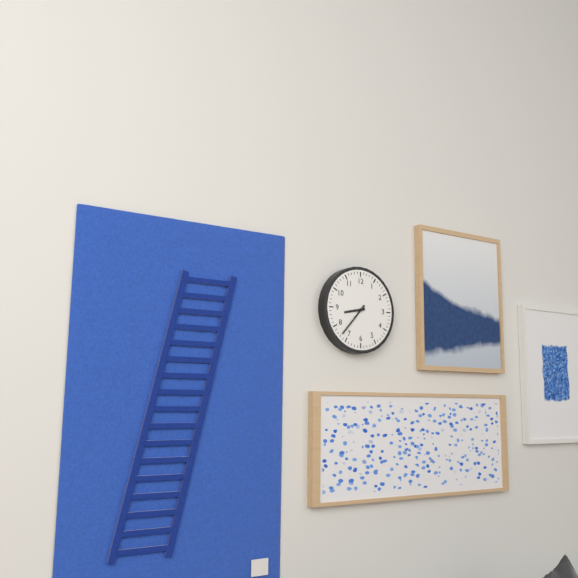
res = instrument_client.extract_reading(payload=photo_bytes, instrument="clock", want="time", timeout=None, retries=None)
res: 8:37
